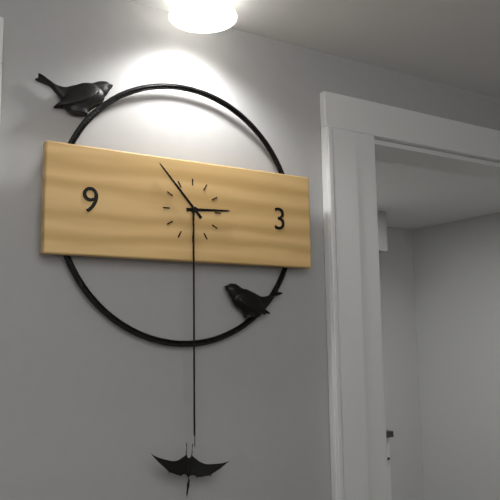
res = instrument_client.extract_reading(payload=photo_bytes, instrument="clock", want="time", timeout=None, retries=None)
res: 2:53
